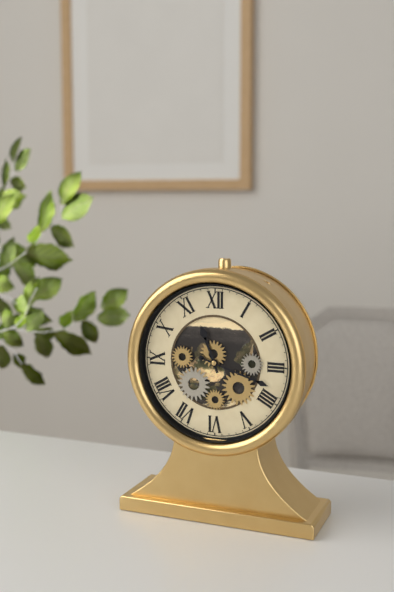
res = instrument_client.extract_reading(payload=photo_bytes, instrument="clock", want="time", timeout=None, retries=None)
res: 11:18
